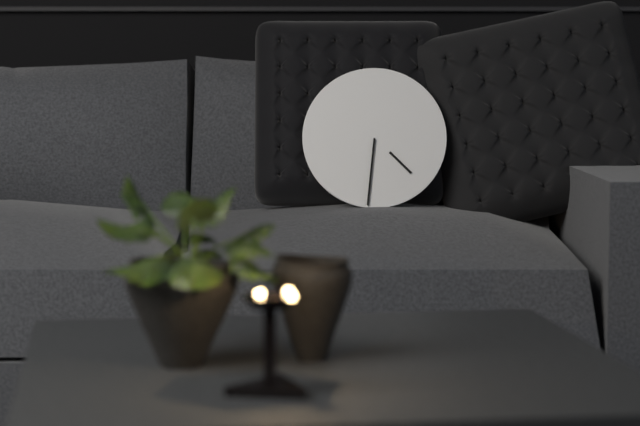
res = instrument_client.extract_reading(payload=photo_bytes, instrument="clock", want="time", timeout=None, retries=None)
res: 4:31
